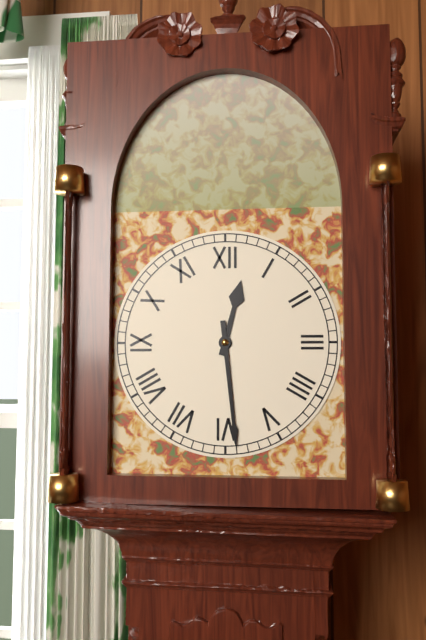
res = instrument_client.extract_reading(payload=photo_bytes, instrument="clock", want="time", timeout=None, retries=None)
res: 12:29
